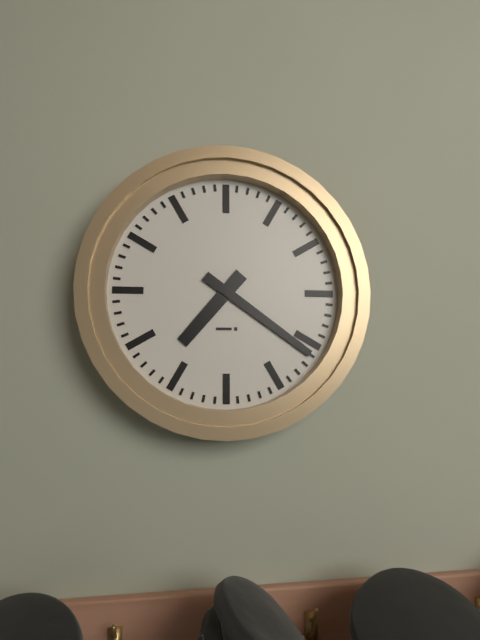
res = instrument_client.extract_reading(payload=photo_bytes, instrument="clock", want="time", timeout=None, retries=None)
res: 7:21
